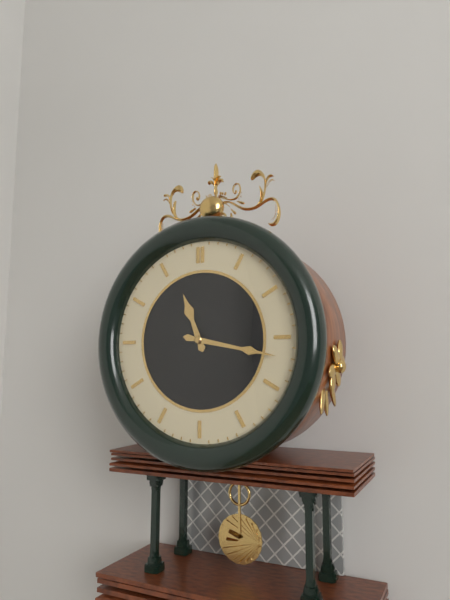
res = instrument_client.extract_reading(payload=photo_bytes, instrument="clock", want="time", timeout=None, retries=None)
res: 11:17
